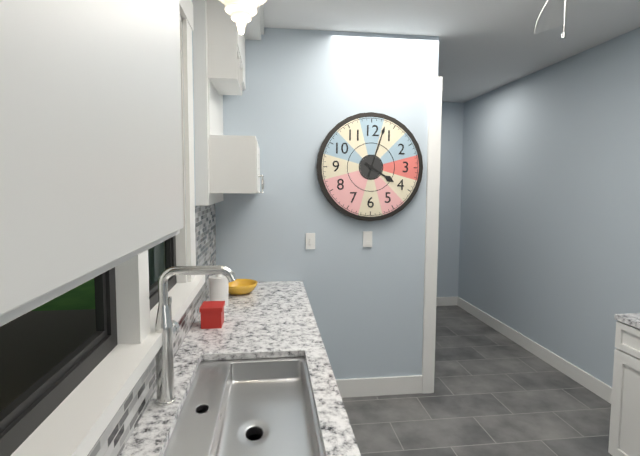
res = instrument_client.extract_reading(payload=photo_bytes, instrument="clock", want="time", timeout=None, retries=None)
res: 4:03
